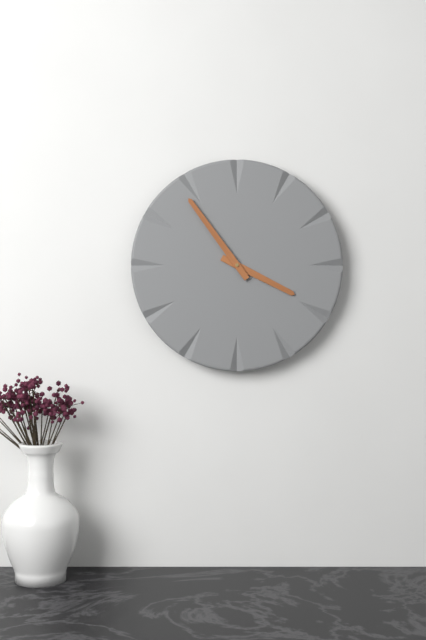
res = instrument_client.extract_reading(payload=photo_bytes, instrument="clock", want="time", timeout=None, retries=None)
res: 3:54
